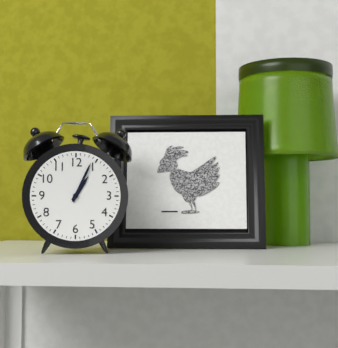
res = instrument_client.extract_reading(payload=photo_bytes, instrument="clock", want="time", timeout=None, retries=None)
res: 1:04
